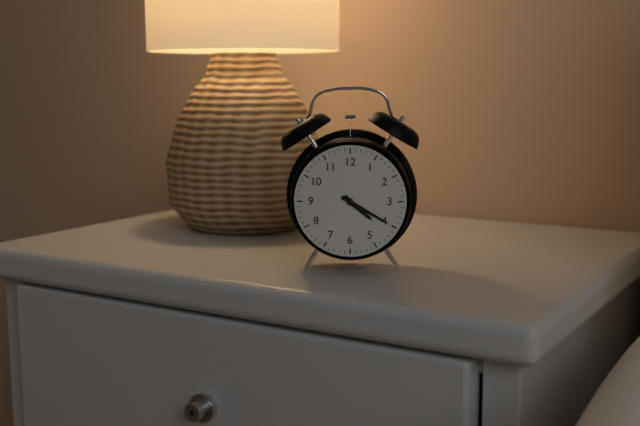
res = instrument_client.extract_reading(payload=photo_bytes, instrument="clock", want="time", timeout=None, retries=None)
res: 4:20
